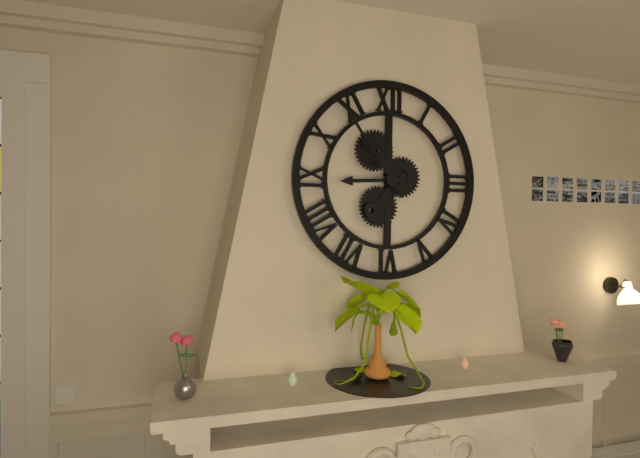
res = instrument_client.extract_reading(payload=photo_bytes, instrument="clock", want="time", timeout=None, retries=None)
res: 8:54
